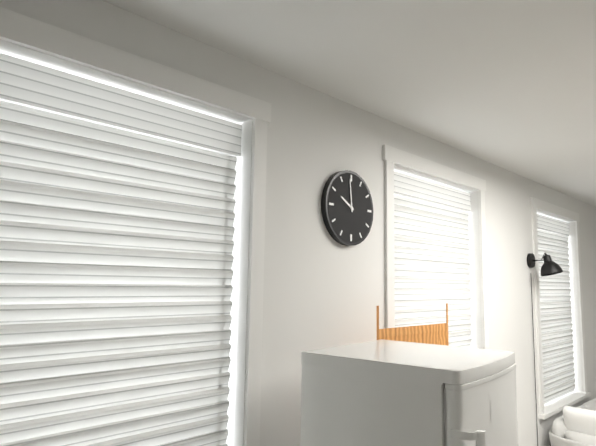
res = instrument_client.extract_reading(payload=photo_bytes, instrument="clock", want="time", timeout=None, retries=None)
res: 9:59
